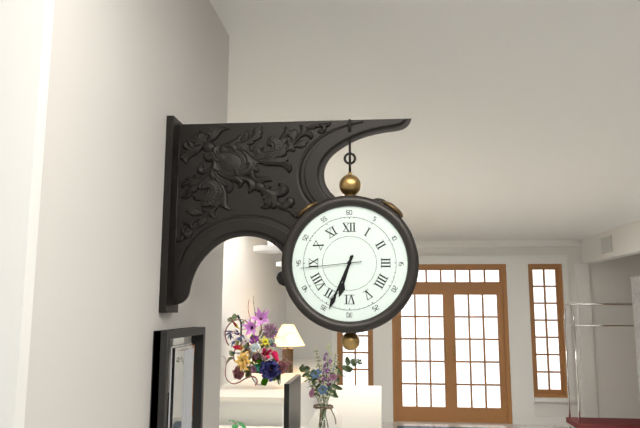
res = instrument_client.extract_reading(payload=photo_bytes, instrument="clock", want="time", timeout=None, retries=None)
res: 6:34:44
